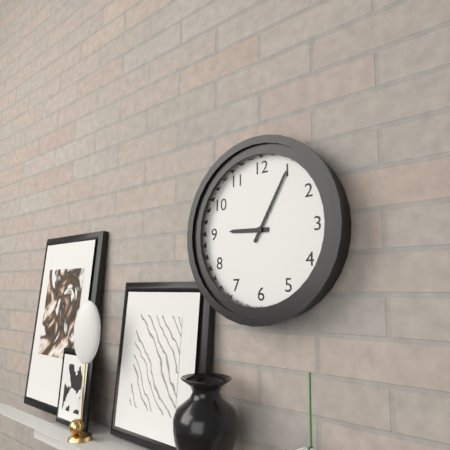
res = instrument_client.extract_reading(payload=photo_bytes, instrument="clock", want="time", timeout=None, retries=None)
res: 9:05
